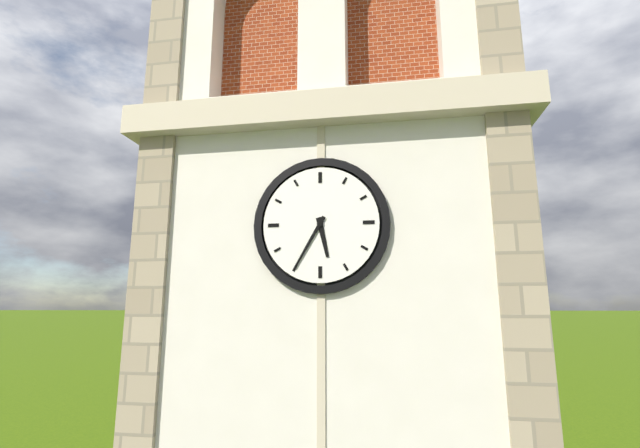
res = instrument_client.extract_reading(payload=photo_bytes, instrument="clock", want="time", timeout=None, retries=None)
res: 5:35
